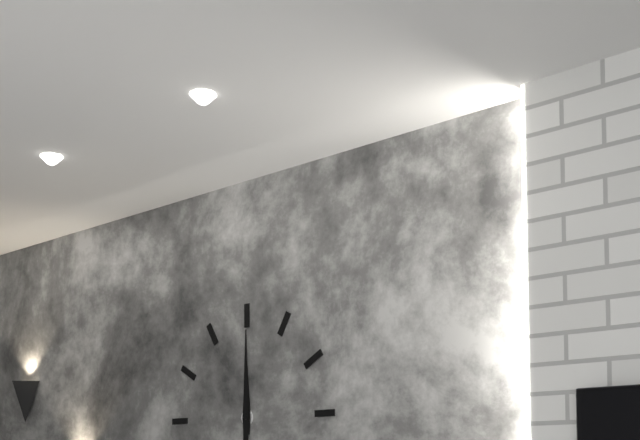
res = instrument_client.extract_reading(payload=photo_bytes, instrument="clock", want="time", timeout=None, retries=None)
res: 12:00
